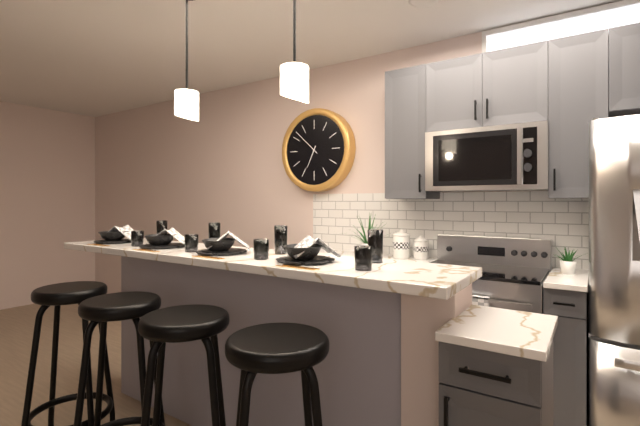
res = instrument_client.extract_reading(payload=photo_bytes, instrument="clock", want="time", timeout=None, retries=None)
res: 6:52
